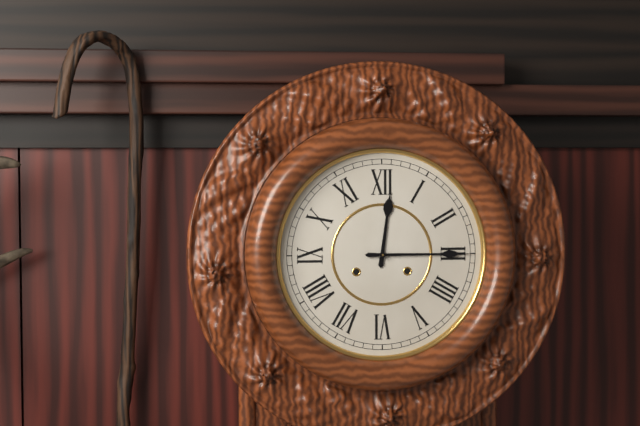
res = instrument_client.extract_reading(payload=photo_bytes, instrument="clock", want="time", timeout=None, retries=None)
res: 12:15
